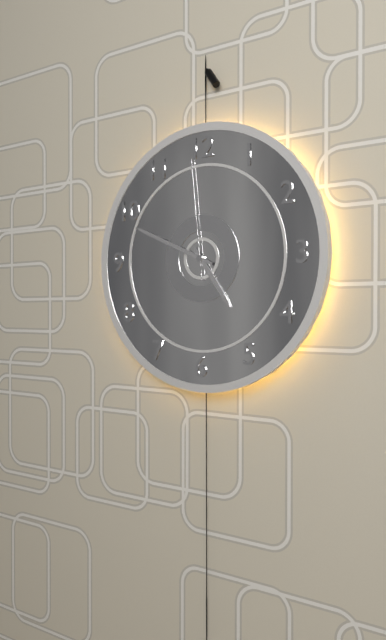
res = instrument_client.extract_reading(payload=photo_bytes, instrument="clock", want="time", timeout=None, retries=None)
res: 4:49:59
